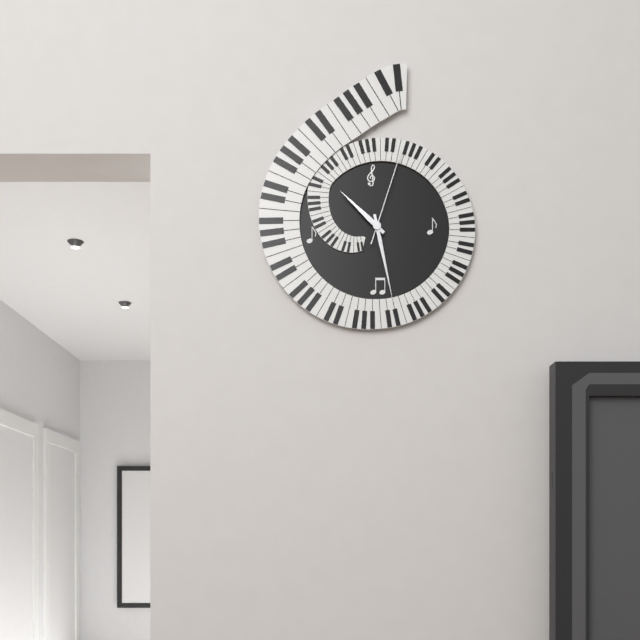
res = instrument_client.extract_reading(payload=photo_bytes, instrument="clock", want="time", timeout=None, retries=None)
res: 10:28:03
